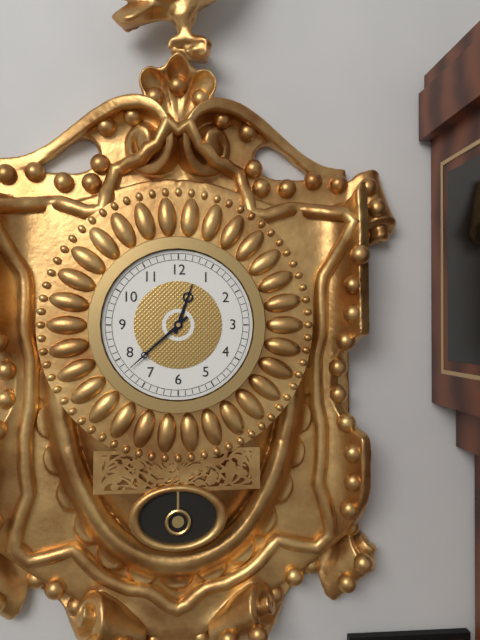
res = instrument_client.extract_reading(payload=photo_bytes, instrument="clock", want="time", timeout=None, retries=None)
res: 12:38
